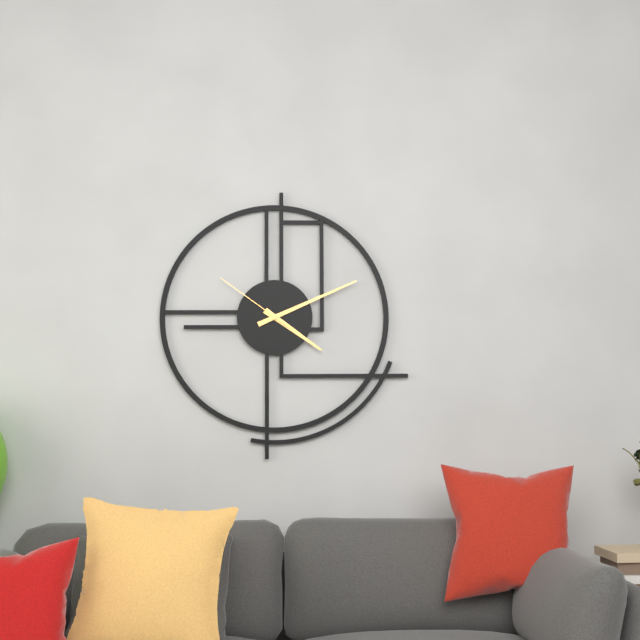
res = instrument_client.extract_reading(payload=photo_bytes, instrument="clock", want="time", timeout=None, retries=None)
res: 4:11:51
